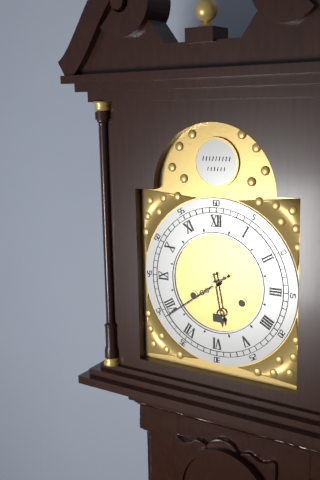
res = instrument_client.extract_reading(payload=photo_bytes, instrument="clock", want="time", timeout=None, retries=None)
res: 5:39
